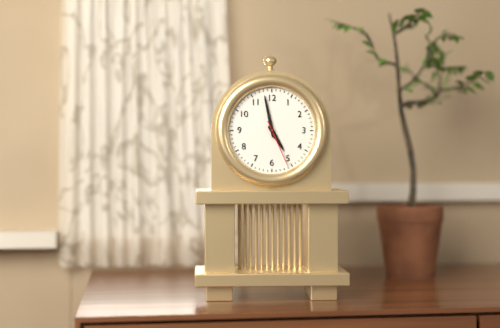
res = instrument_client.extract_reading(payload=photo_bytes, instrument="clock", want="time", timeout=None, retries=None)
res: 4:58
